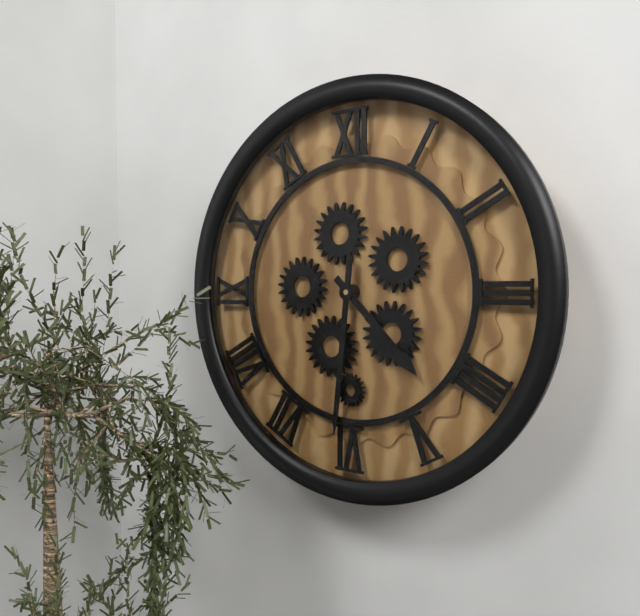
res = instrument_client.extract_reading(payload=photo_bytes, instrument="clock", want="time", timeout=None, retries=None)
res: 4:31
